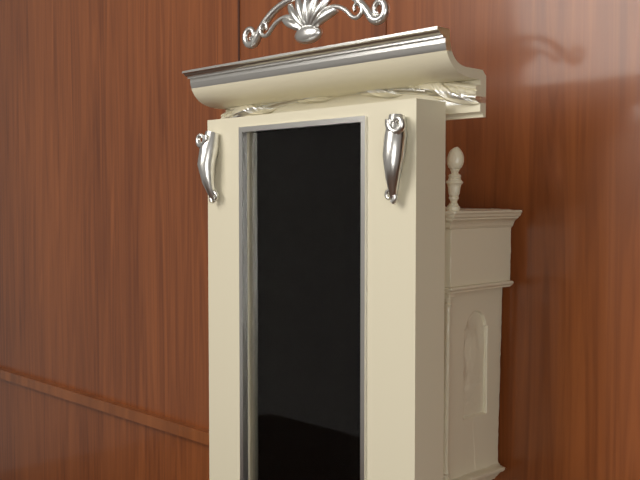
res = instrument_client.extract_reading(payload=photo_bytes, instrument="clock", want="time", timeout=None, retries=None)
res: 6:14
